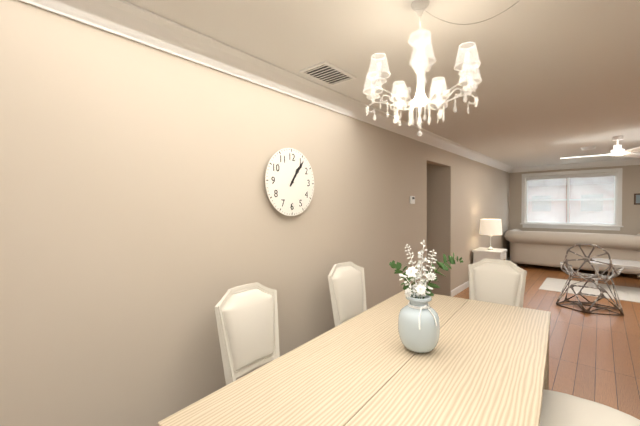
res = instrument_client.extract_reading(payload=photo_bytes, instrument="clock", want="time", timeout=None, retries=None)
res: 1:06
